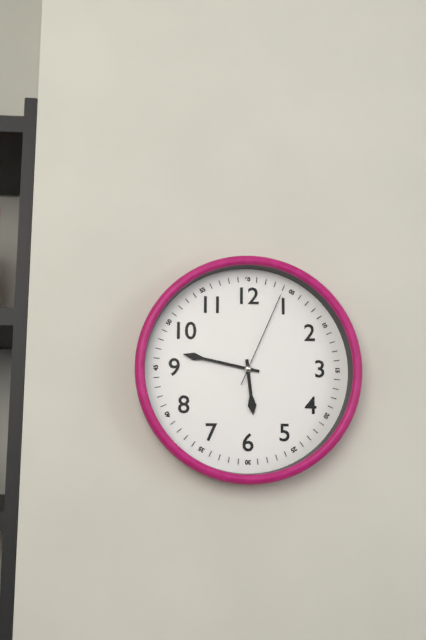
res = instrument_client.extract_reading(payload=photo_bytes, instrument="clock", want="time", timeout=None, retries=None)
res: 5:47:04
